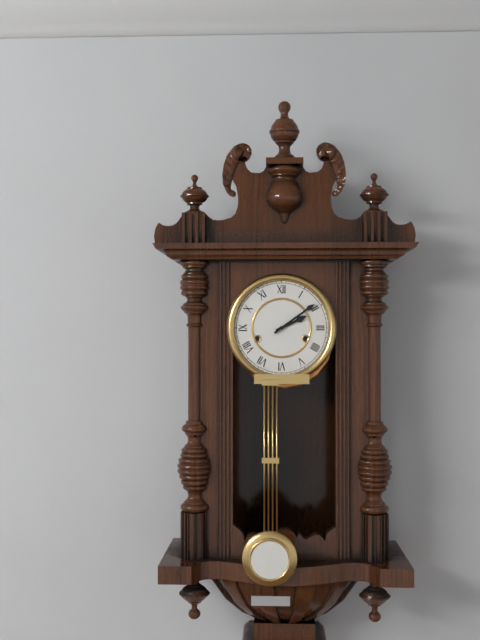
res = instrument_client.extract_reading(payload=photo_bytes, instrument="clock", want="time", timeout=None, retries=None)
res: 2:09
